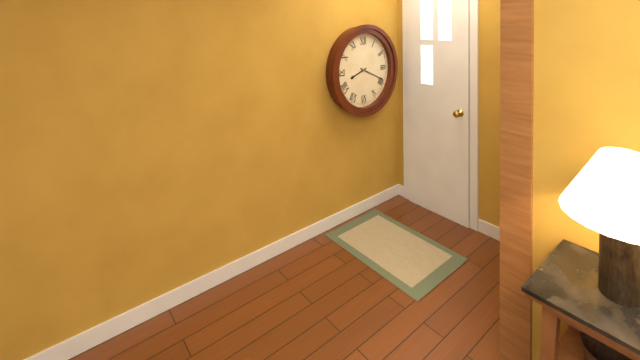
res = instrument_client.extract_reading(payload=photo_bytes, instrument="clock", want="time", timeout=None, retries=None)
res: 8:19
